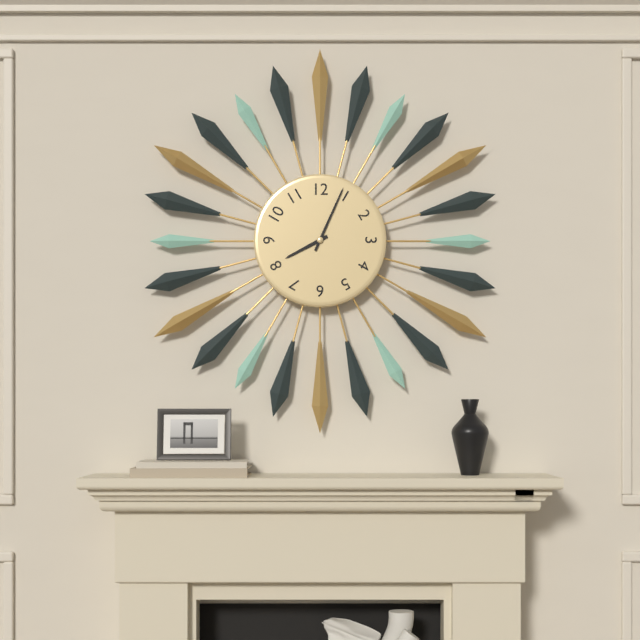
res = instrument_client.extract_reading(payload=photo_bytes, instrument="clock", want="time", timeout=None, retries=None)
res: 8:04
